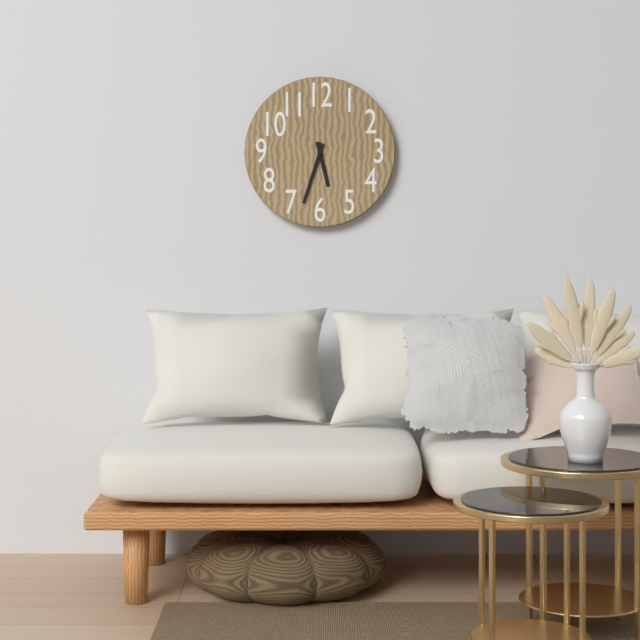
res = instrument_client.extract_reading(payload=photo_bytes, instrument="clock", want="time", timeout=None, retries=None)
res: 5:33
